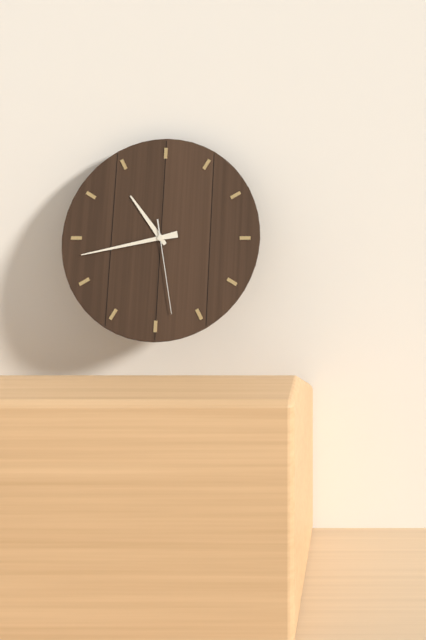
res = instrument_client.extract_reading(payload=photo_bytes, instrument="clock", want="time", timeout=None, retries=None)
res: 10:43:28
